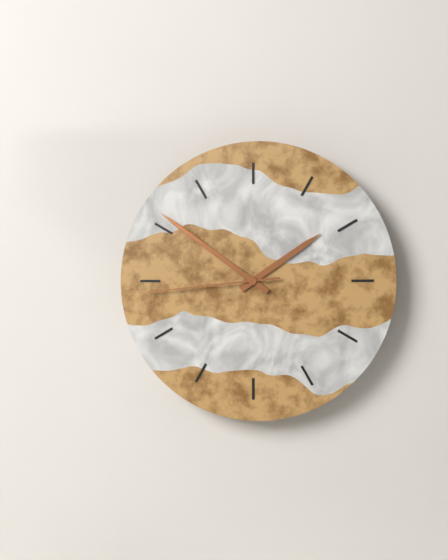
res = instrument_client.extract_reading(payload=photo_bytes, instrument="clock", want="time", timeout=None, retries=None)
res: 1:51:44
